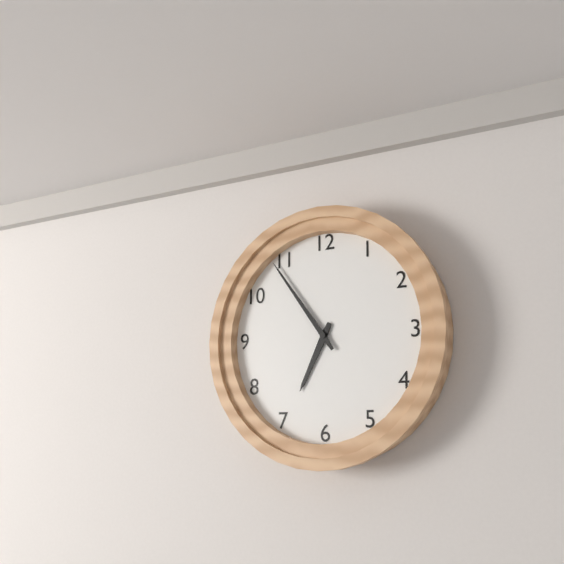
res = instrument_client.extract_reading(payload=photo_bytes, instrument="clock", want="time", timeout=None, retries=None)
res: 6:54
